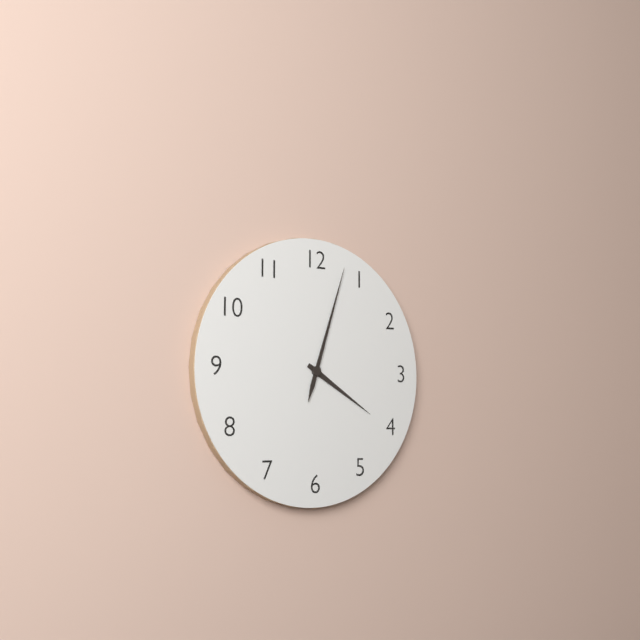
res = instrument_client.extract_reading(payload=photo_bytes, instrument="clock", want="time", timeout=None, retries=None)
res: 4:03
